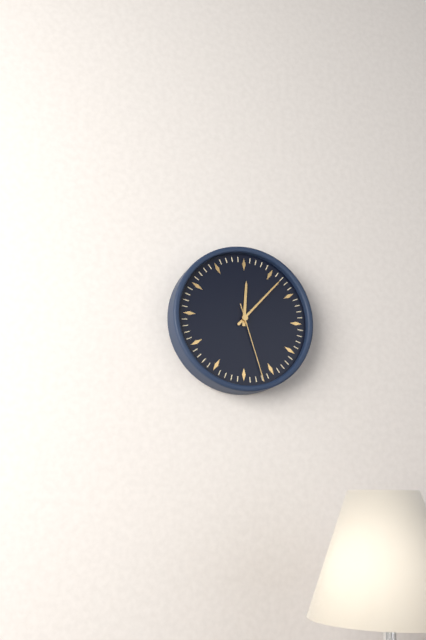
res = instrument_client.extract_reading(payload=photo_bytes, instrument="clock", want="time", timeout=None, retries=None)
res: 12:07:27
